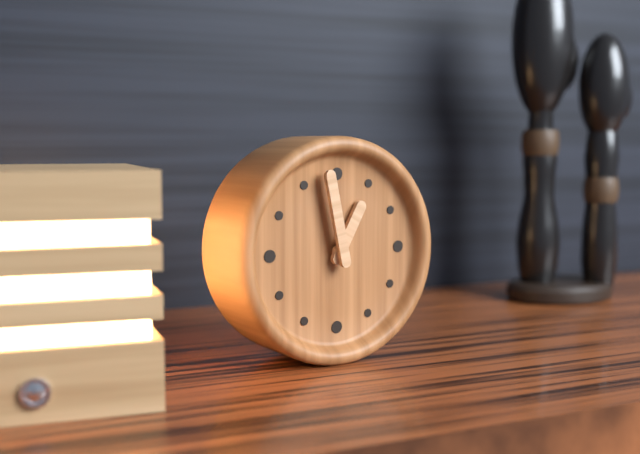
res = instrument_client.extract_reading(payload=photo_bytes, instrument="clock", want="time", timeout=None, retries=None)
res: 12:58
